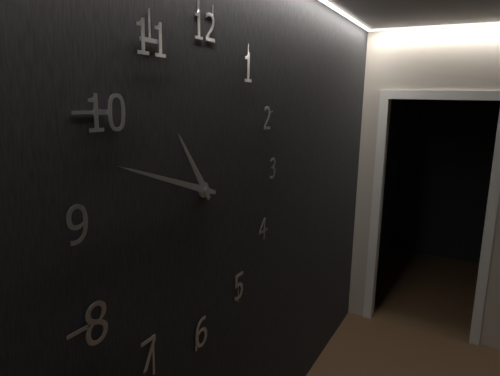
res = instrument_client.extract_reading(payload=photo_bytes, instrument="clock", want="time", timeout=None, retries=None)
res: 10:48
